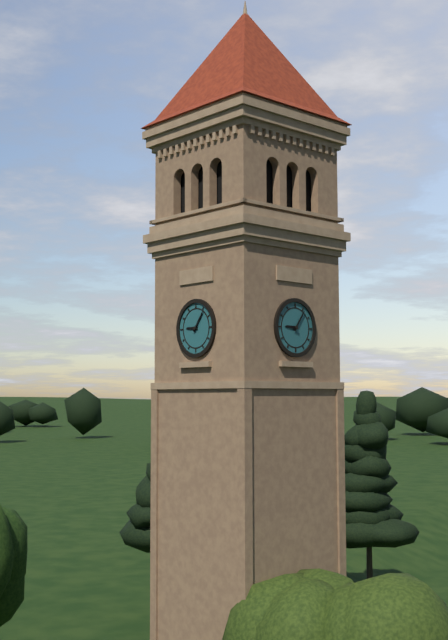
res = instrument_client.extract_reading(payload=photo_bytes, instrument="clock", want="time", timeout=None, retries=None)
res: 9:06
